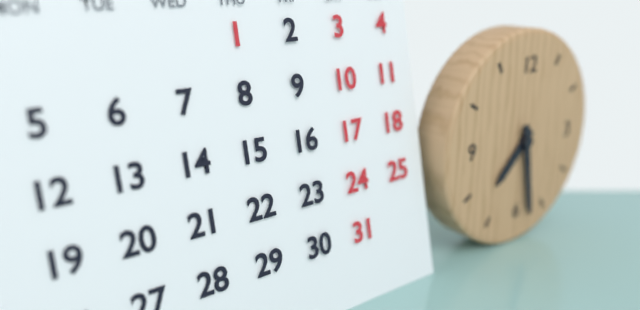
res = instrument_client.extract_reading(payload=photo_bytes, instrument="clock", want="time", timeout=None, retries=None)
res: 7:28
